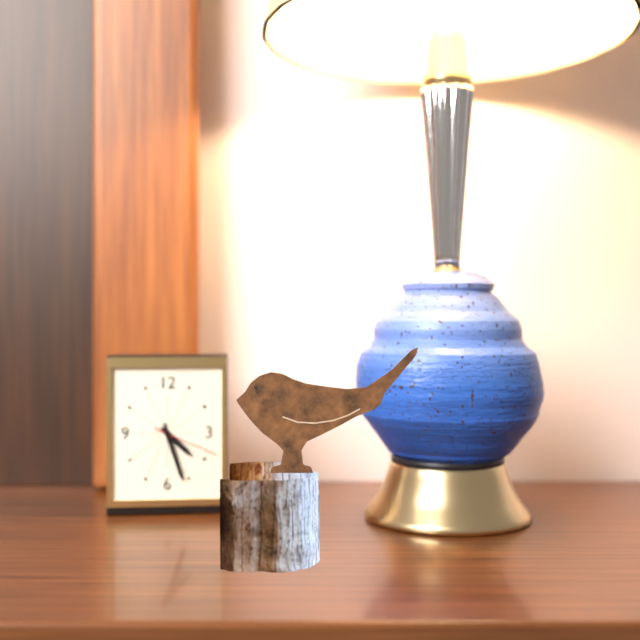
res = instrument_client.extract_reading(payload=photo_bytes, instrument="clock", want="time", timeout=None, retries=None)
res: 4:27:19
